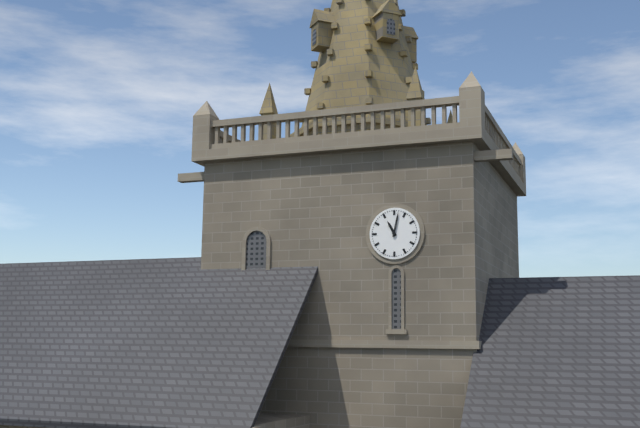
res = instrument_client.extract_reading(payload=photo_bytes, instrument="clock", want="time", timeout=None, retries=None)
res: 11:02
